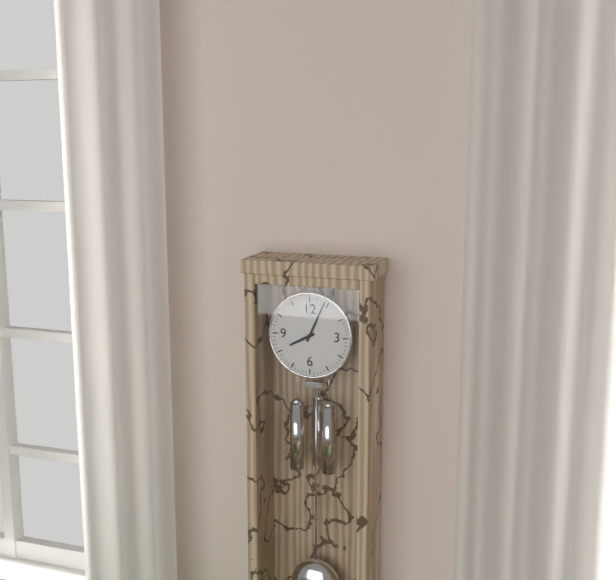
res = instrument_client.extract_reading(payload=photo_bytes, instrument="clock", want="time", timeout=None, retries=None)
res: 8:04
